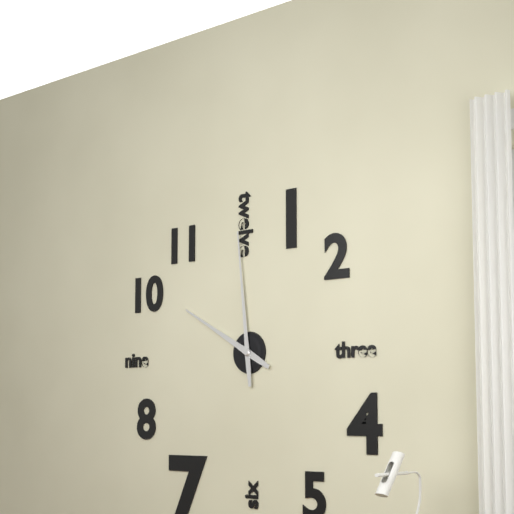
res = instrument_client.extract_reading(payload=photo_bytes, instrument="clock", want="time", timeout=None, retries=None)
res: 9:59
